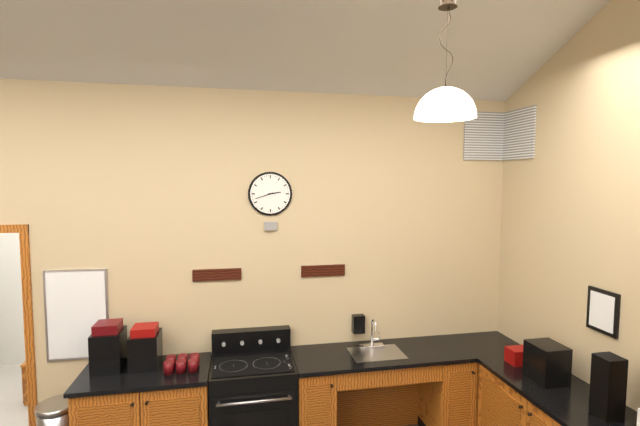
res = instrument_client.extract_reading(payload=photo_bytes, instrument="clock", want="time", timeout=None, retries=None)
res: 2:42
